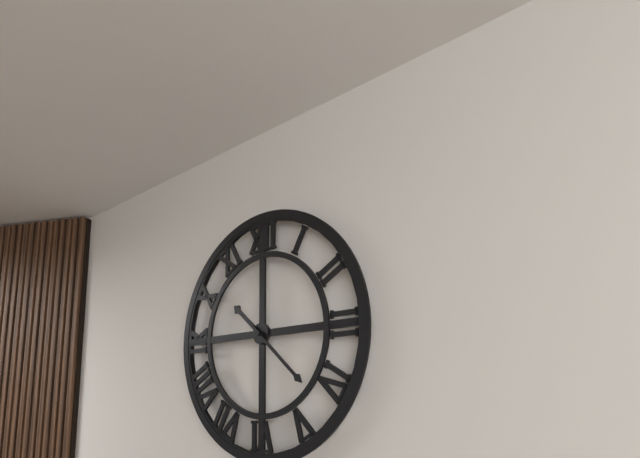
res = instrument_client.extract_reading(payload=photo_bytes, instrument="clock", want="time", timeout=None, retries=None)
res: 10:22
